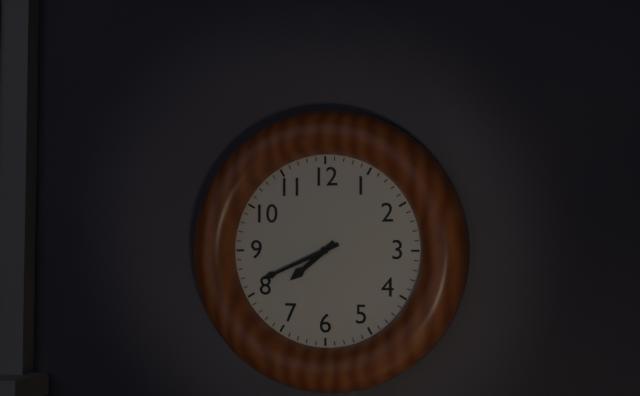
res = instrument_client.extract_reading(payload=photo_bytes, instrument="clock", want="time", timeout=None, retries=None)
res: 7:41
